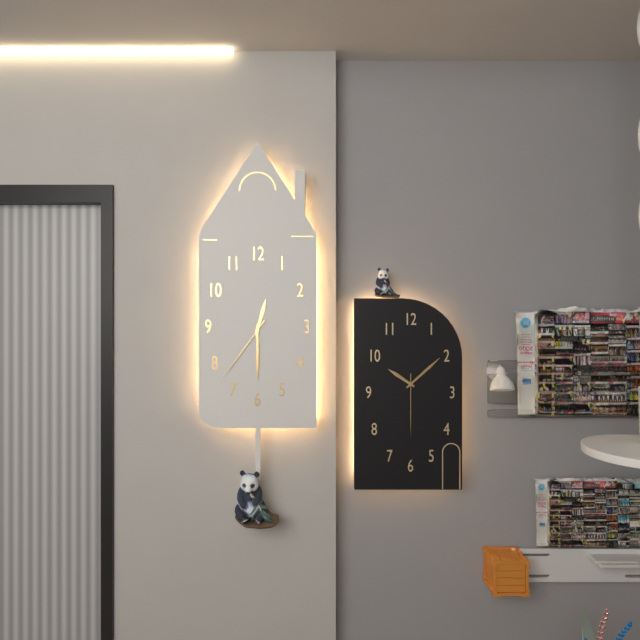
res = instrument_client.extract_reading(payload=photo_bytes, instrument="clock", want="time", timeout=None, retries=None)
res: 12:30:36
